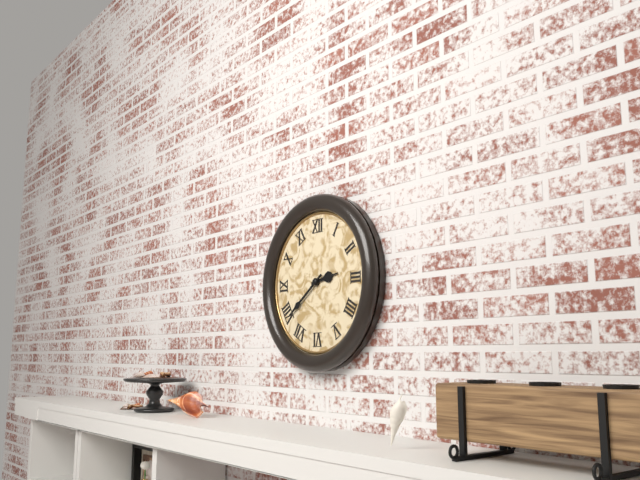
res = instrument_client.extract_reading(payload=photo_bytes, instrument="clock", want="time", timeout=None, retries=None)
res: 2:39
